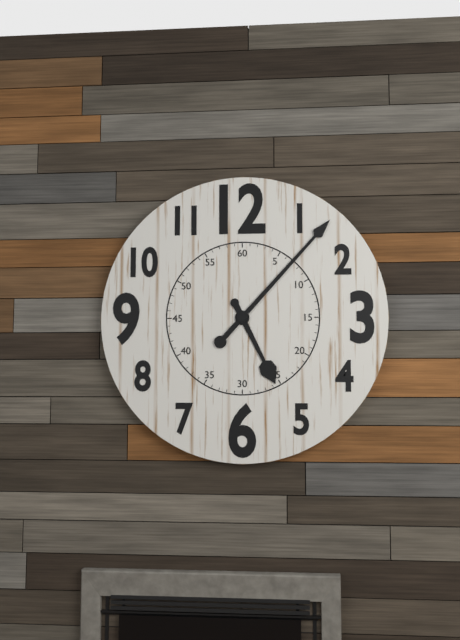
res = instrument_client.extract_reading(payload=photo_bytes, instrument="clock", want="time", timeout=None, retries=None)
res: 5:07
